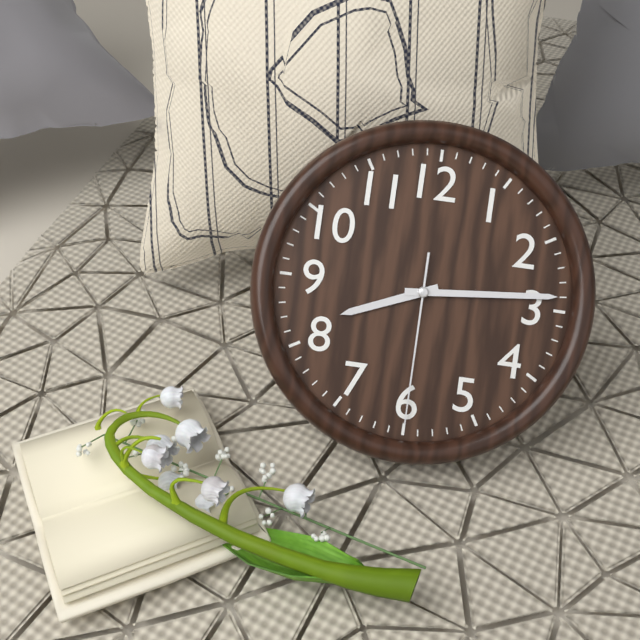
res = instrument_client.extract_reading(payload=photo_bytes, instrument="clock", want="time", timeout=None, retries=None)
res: 8:14:30
